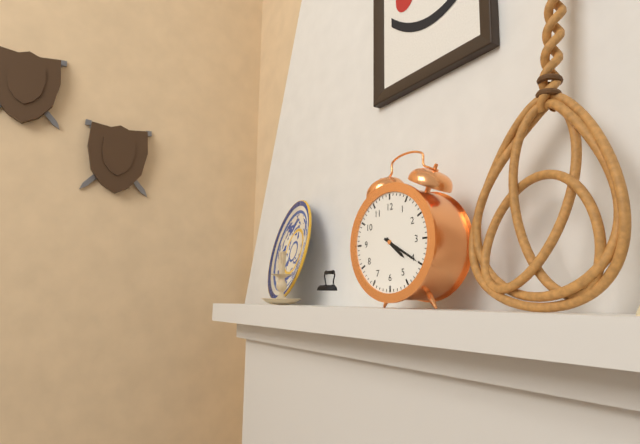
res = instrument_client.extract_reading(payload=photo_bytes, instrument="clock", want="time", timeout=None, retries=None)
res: 4:20
